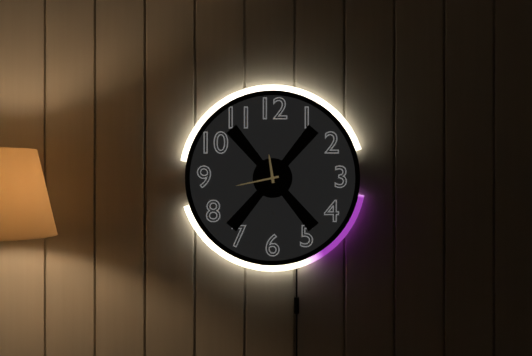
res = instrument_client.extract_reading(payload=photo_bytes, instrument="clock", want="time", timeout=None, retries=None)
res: 11:43
